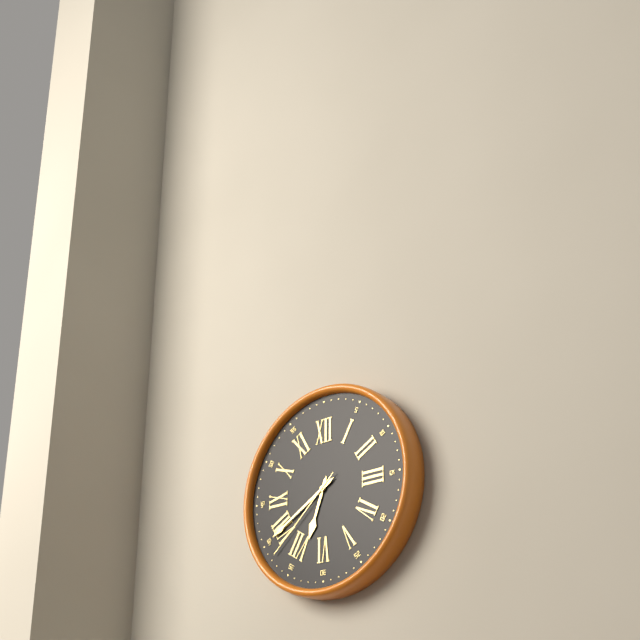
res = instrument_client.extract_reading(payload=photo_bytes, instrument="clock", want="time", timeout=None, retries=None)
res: 6:40:38
